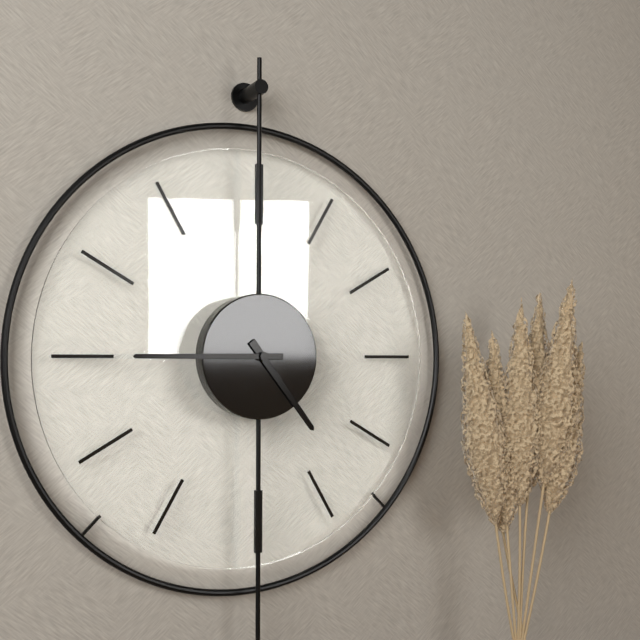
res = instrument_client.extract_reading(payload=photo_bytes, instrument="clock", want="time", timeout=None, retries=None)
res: 4:45
